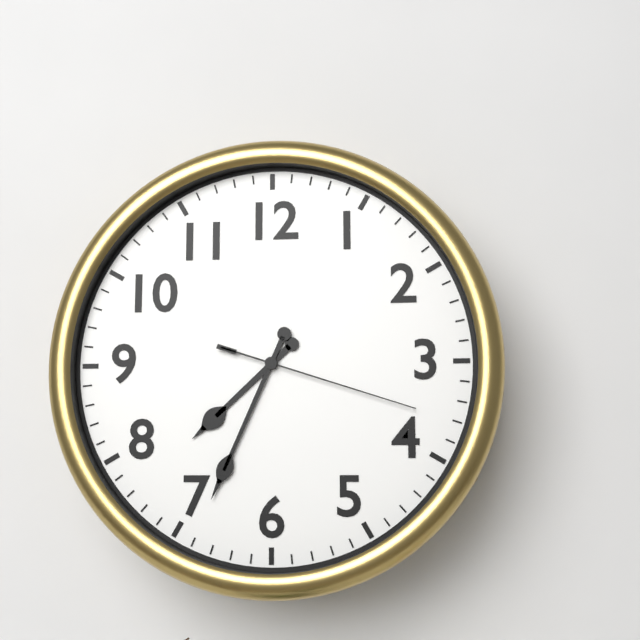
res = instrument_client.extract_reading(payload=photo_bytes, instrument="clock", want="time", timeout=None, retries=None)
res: 7:34:18
